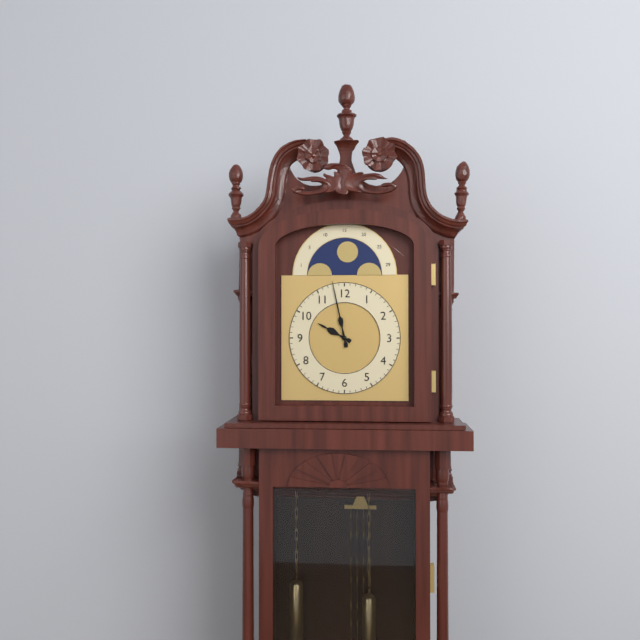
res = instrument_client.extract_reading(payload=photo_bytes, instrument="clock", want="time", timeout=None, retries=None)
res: 9:58
